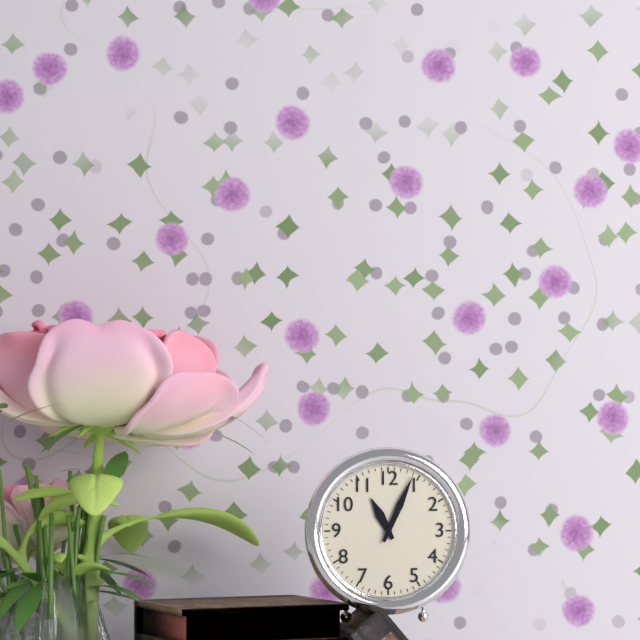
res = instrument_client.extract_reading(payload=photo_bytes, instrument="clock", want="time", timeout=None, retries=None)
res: 11:04
